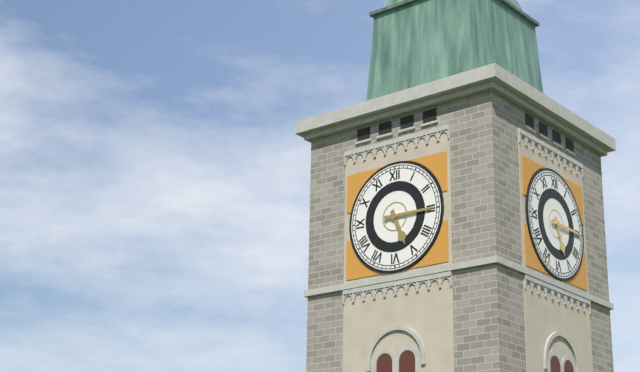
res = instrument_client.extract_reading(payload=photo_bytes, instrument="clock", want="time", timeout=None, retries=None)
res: 5:15
